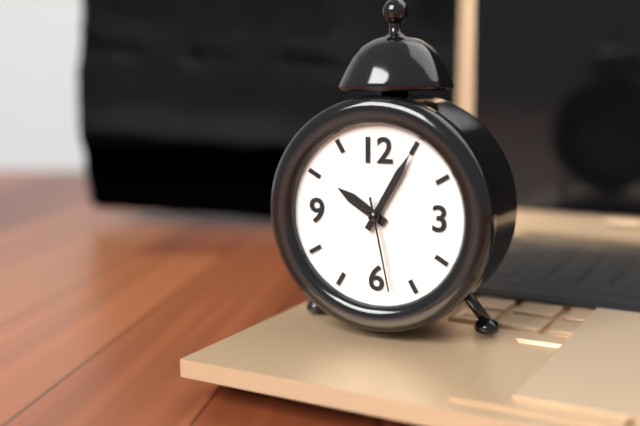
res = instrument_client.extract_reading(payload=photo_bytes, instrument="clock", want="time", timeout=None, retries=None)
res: 10:05:28
